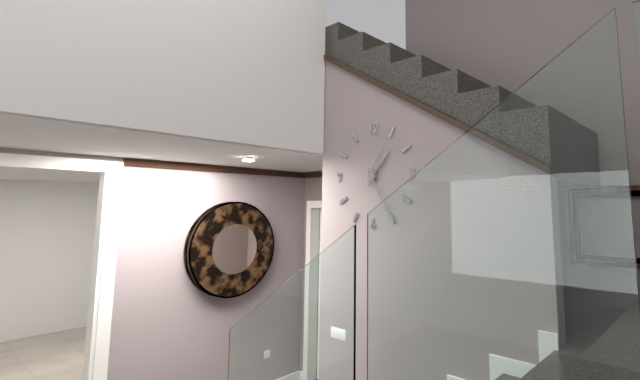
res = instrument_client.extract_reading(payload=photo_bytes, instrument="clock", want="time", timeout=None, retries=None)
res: 1:25:04
